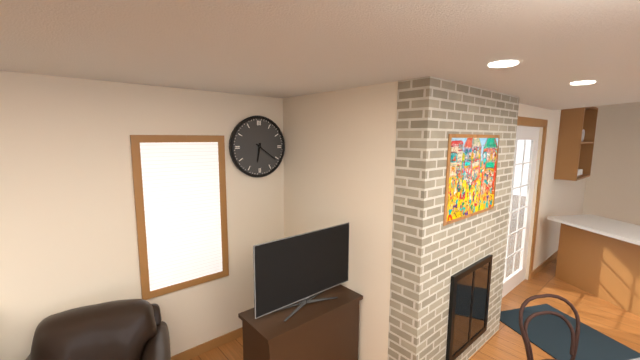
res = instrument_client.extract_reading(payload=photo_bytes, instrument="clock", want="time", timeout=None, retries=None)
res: 6:21
